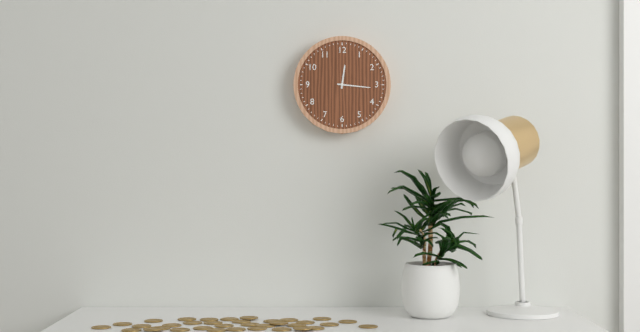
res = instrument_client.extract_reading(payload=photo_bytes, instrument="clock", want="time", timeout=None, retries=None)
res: 12:16
